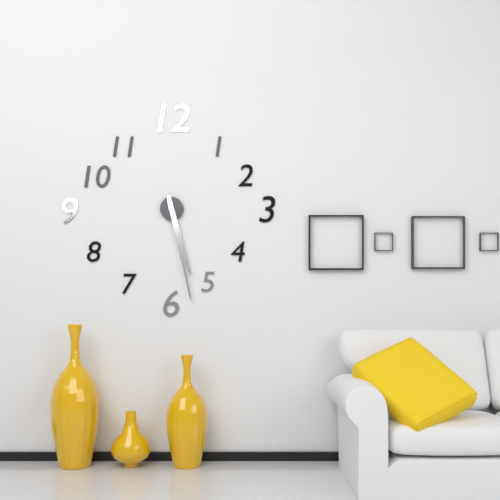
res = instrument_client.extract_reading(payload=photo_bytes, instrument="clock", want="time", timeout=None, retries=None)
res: 5:28
